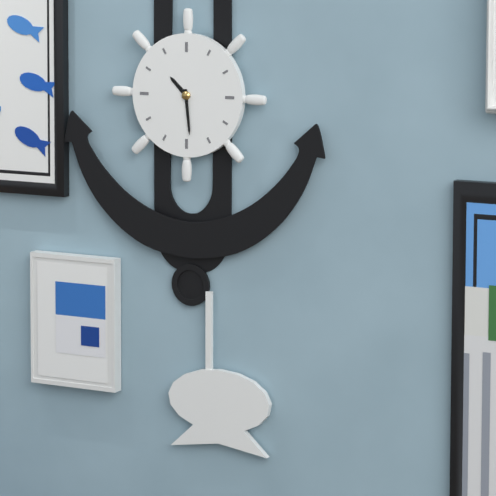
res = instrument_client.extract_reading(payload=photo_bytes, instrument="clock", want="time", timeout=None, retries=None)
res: 10:29
